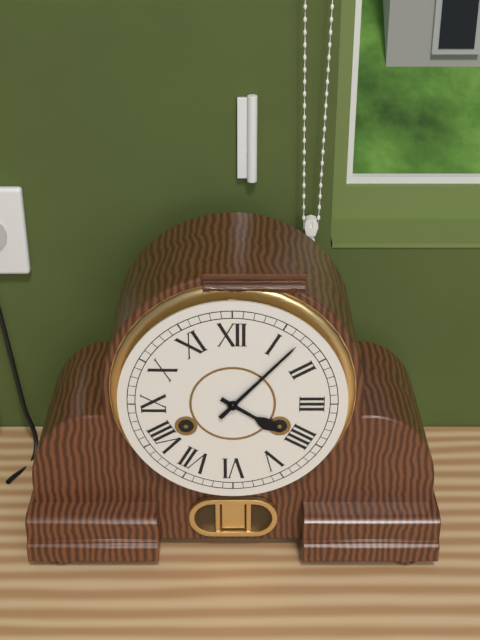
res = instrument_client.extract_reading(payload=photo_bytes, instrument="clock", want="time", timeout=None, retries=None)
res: 4:07
